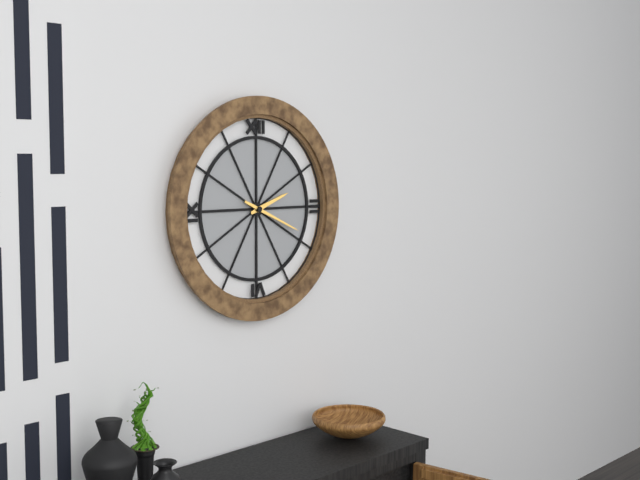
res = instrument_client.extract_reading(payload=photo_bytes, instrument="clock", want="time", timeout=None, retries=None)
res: 2:19
